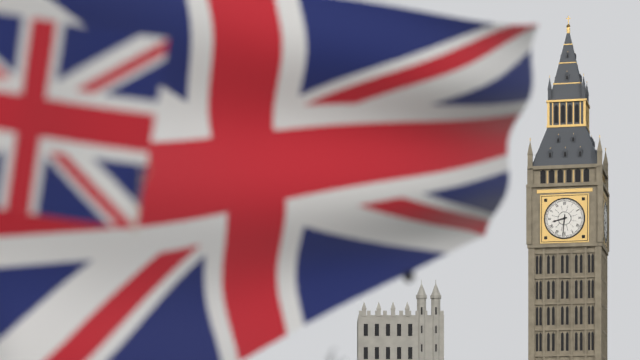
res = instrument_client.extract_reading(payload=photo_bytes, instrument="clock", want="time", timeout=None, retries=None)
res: 8:31
